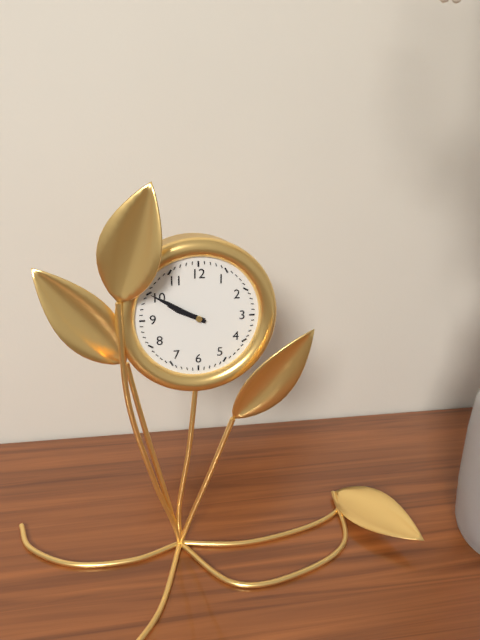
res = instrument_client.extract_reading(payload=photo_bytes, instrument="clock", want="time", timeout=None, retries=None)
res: 9:50
